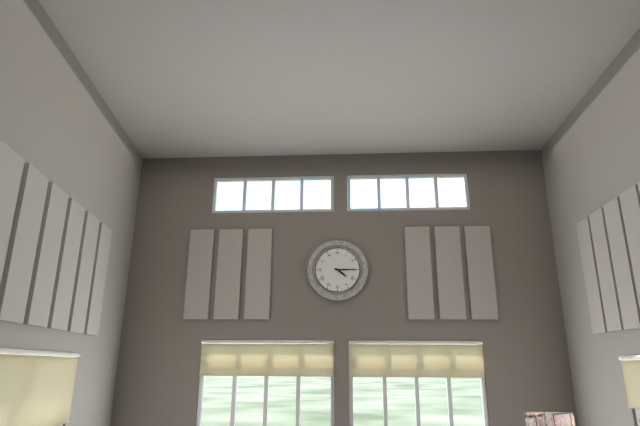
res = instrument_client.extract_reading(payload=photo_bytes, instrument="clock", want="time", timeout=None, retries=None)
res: 4:15
